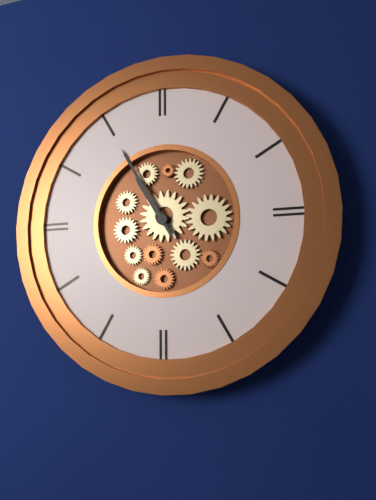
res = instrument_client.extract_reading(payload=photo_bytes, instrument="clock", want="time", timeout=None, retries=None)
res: 10:55
